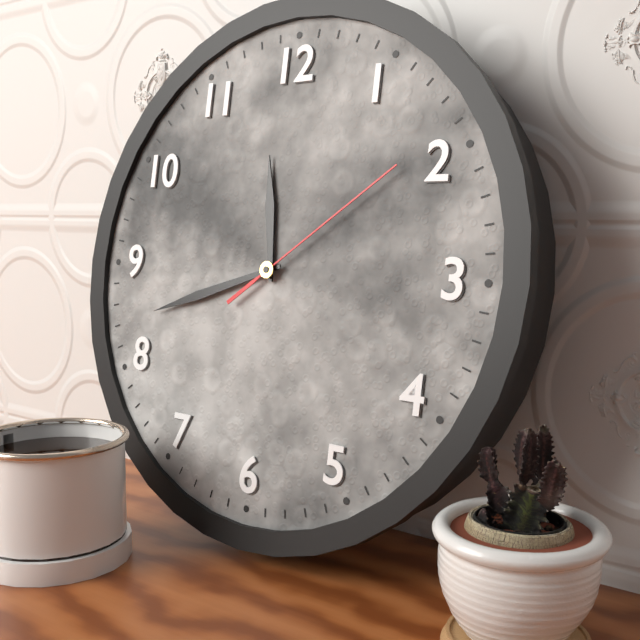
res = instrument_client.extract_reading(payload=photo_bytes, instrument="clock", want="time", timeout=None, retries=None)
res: 11:42:09
